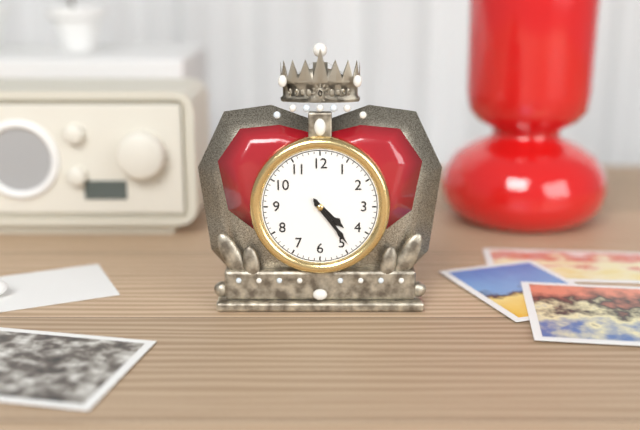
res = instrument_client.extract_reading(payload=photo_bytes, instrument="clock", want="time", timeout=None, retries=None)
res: 4:24
